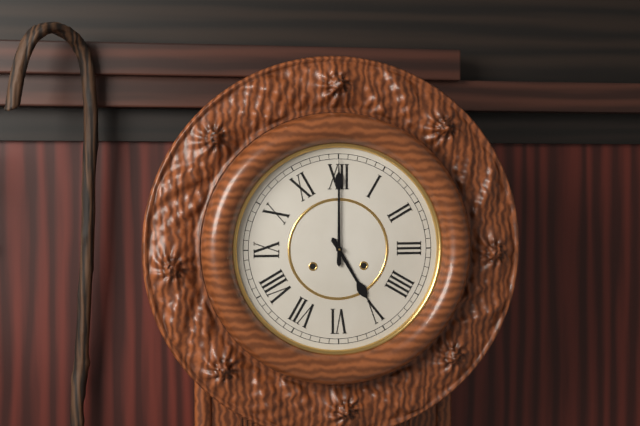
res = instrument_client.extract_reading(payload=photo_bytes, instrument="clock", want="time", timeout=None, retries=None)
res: 5:00
